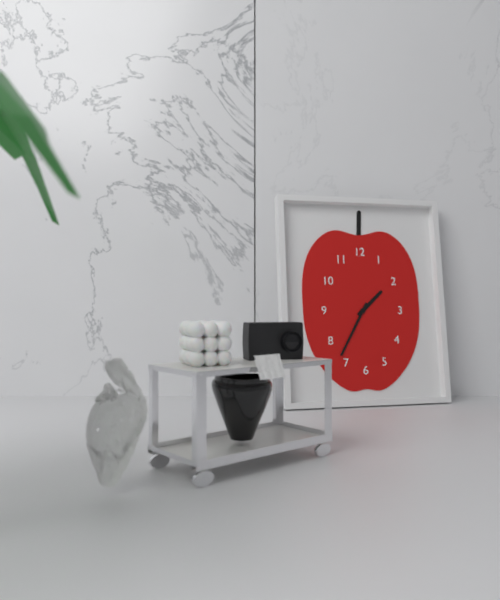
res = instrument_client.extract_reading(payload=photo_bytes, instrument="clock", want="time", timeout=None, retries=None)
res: 1:35
